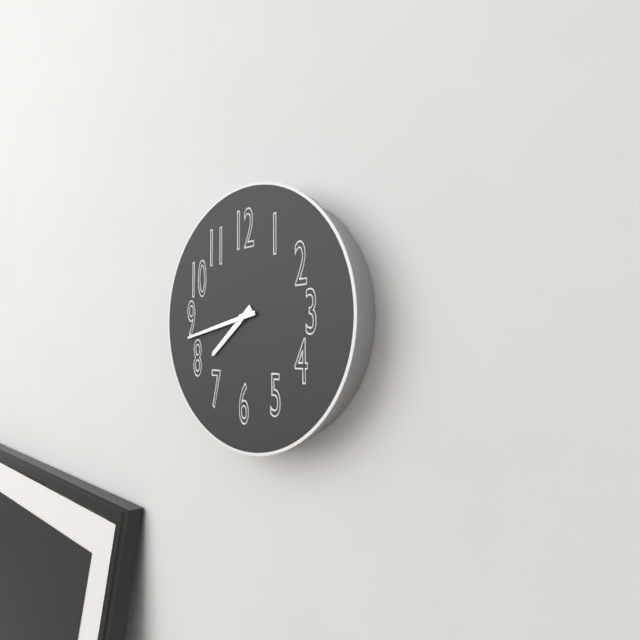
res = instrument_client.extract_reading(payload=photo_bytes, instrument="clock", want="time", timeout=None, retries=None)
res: 7:43
